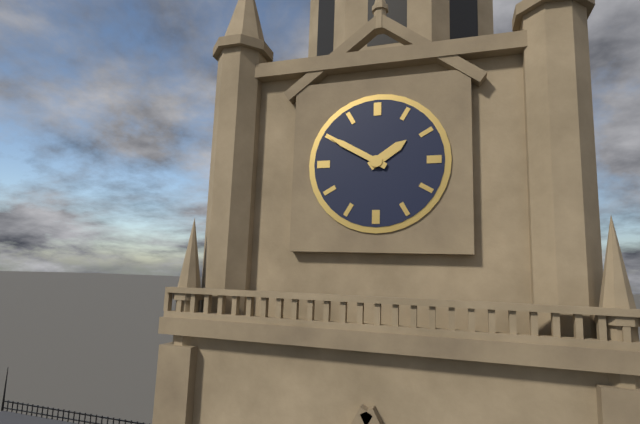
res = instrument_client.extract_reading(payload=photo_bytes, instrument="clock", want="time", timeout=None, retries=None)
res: 1:50
